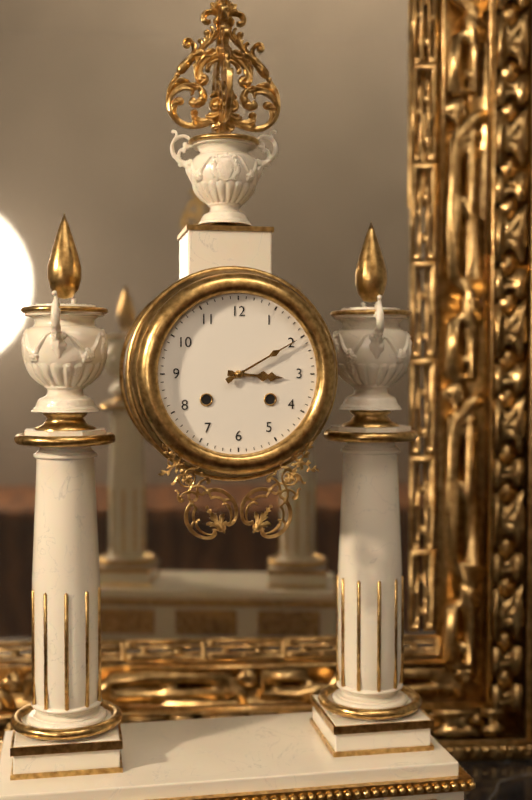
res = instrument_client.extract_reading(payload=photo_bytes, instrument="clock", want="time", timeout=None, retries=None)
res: 3:10
